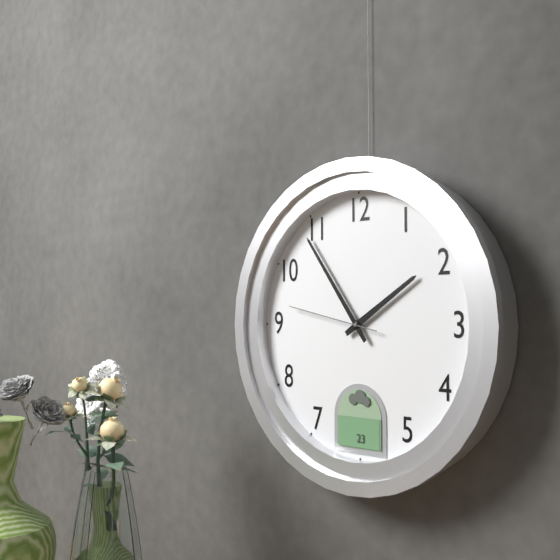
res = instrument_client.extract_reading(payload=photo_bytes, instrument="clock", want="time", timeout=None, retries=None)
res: 1:54:47
